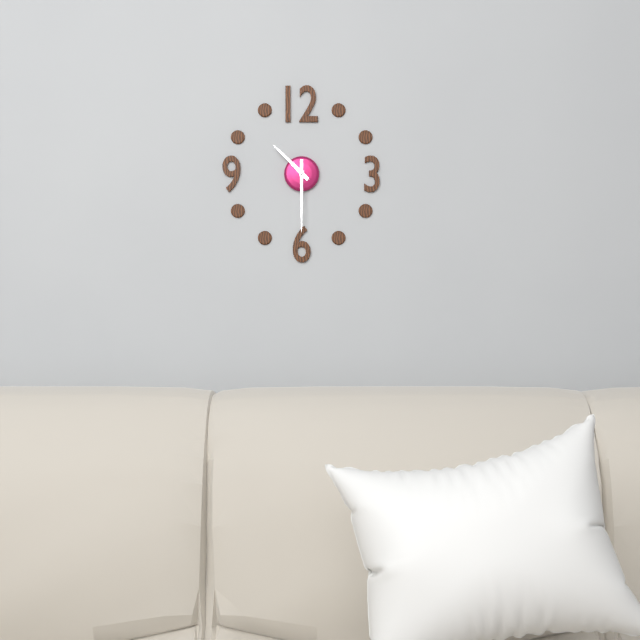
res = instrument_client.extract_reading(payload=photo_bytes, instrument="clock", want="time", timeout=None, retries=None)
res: 10:30
